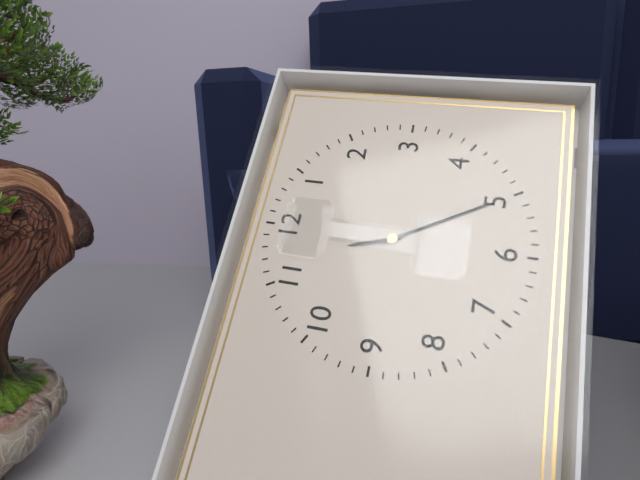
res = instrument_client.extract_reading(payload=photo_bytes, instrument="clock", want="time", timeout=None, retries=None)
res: 11:25
